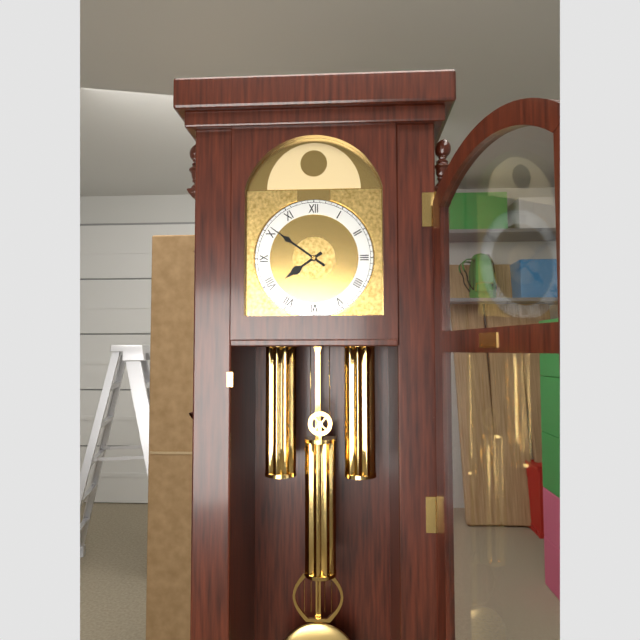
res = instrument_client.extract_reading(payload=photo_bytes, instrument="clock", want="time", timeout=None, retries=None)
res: 7:51
